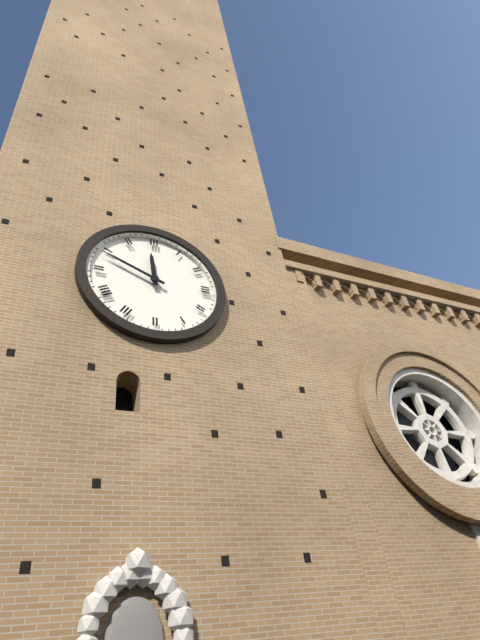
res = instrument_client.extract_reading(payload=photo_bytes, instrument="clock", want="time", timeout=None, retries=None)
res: 11:49
